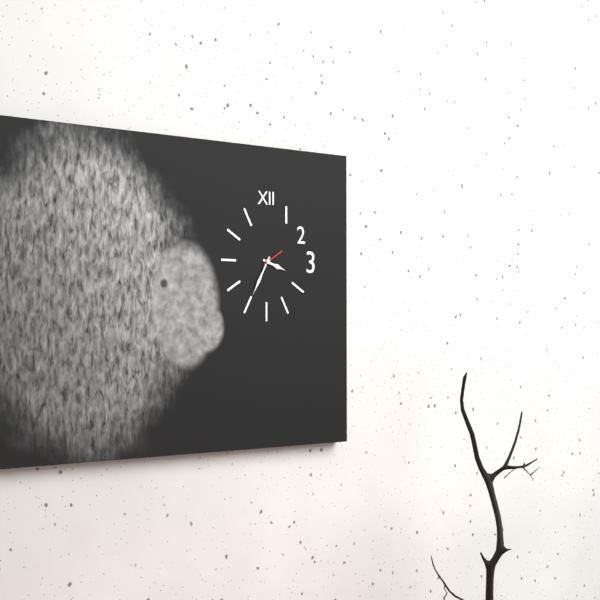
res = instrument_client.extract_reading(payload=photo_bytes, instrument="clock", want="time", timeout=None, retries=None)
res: 3:35
